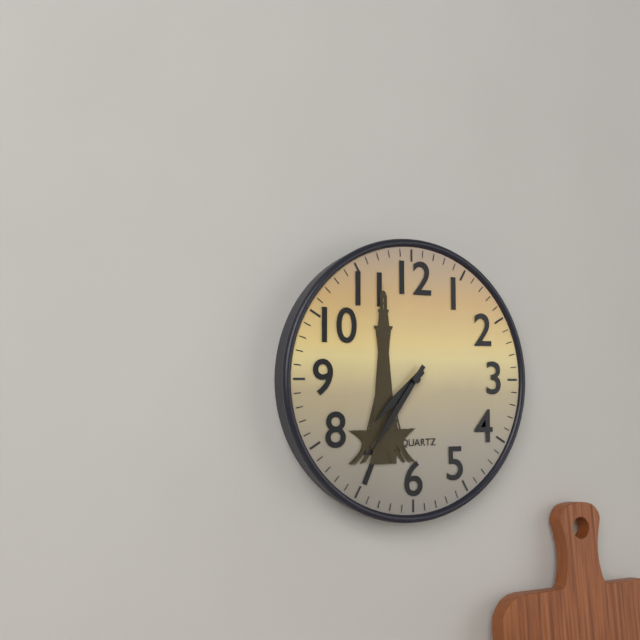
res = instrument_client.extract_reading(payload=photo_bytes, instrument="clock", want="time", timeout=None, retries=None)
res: 7:36
